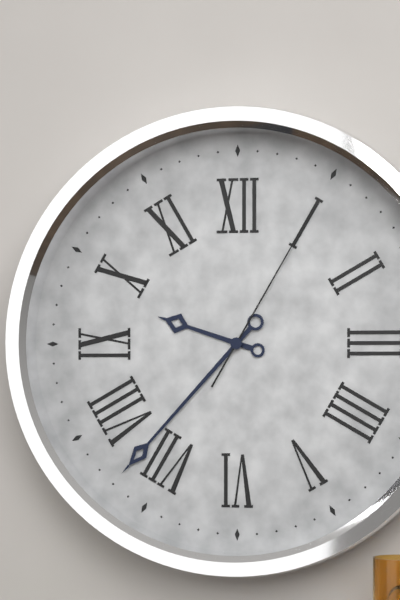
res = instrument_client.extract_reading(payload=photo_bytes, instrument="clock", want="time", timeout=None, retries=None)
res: 9:37:05
